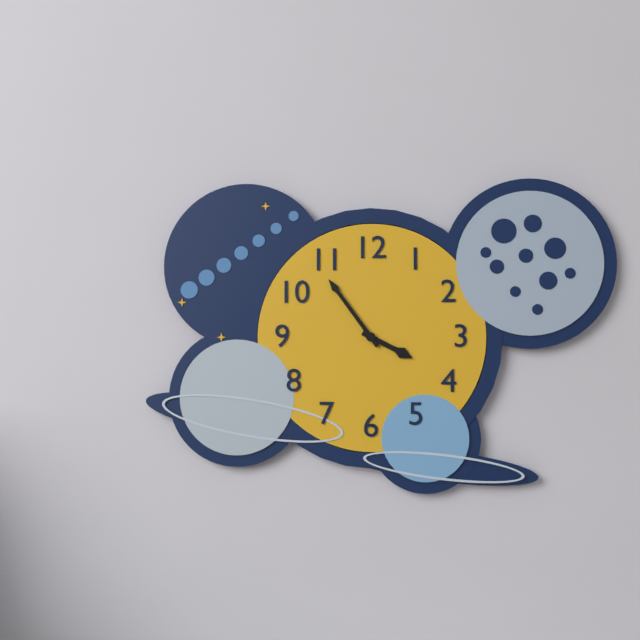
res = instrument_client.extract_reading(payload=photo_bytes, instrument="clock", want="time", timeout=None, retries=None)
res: 3:54
